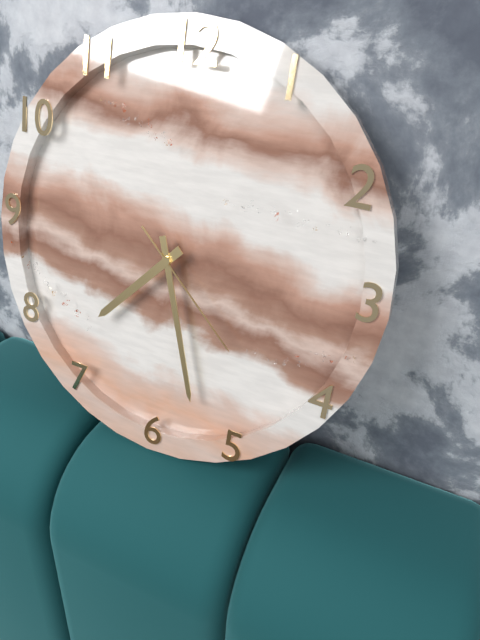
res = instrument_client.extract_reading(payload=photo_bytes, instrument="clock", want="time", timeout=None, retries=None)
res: 7:27:22
